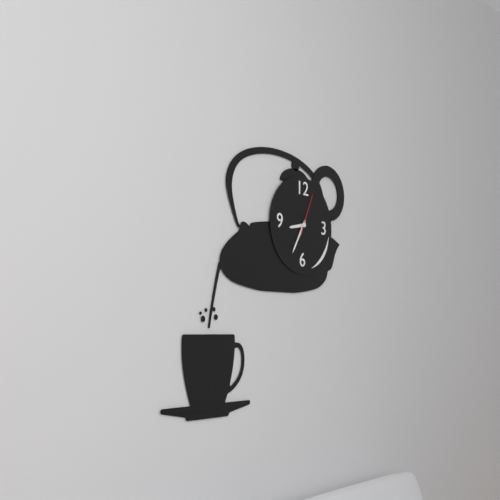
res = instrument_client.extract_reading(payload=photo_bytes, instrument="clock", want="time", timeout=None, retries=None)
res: 8:35
